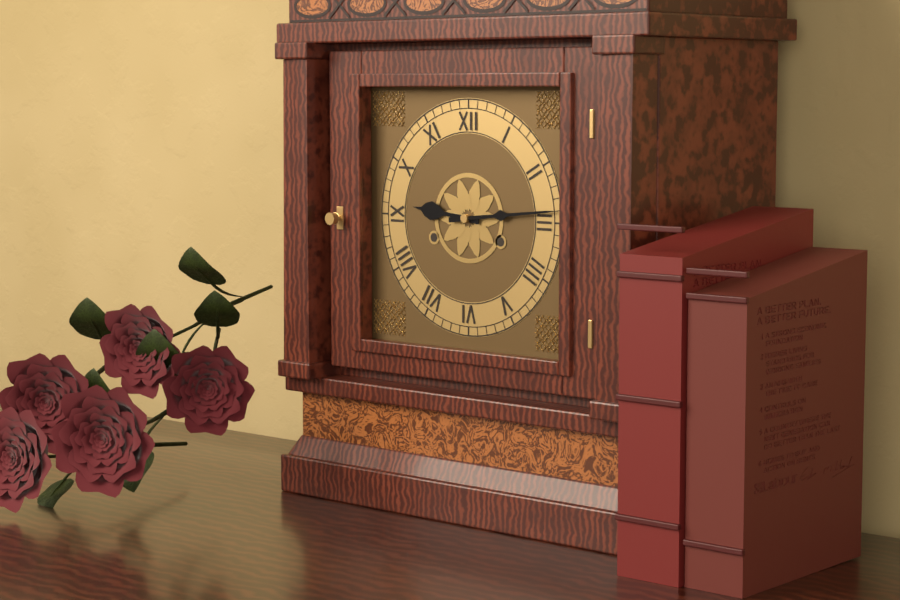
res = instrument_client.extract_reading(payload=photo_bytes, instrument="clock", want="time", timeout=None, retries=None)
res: 9:14
